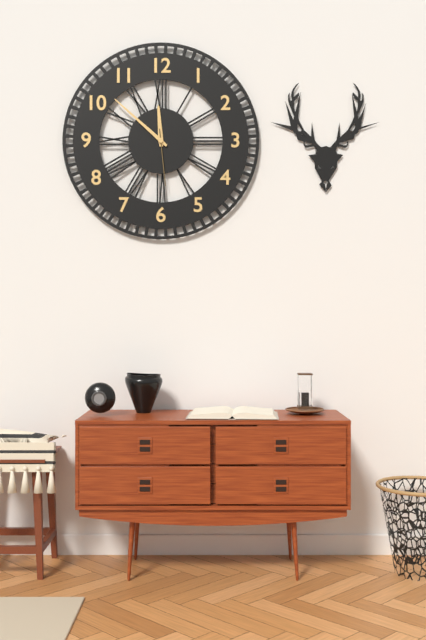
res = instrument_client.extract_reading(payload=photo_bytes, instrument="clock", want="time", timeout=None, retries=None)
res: 11:52:29
